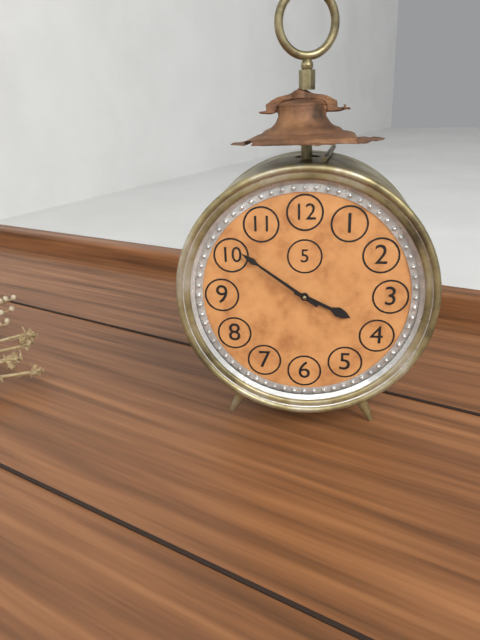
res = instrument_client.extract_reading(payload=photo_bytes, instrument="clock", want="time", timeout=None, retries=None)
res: 3:51
